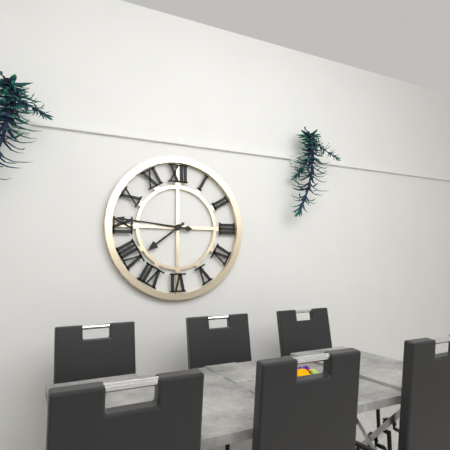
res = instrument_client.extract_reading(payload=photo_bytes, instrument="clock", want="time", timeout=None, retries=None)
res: 7:46
